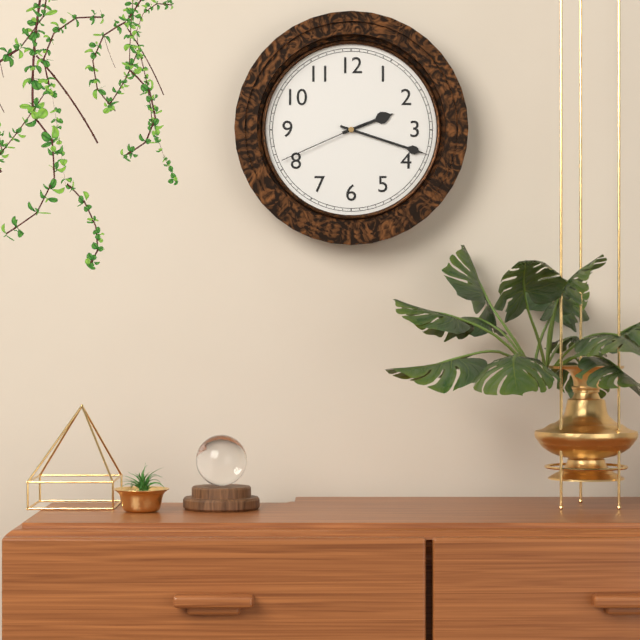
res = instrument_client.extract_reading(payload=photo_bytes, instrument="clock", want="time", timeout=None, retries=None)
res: 2:18:41
